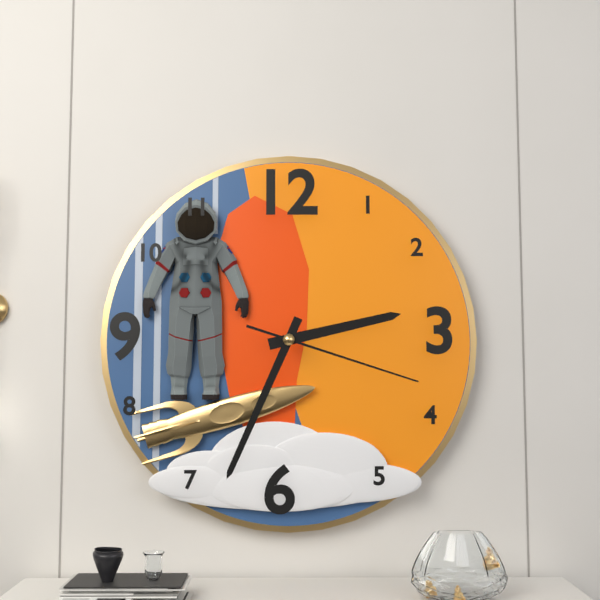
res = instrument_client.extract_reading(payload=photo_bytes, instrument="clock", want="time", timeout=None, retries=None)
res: 2:34:18
